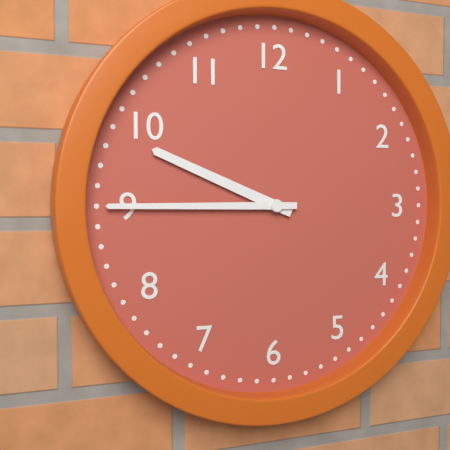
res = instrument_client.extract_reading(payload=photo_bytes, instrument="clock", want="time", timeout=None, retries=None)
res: 9:45
